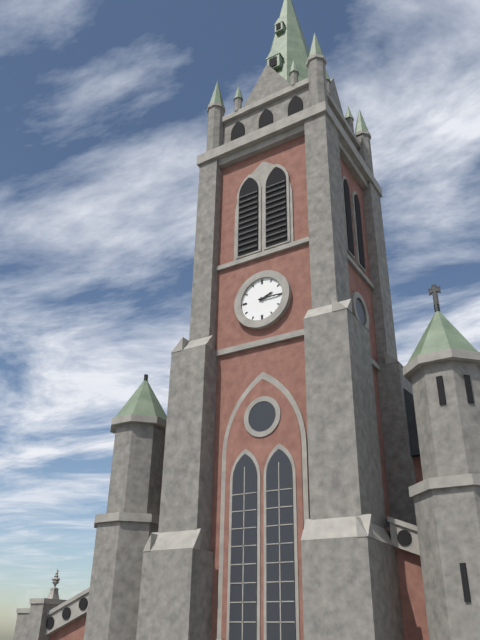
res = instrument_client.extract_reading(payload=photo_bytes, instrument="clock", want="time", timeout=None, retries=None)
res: 2:15
